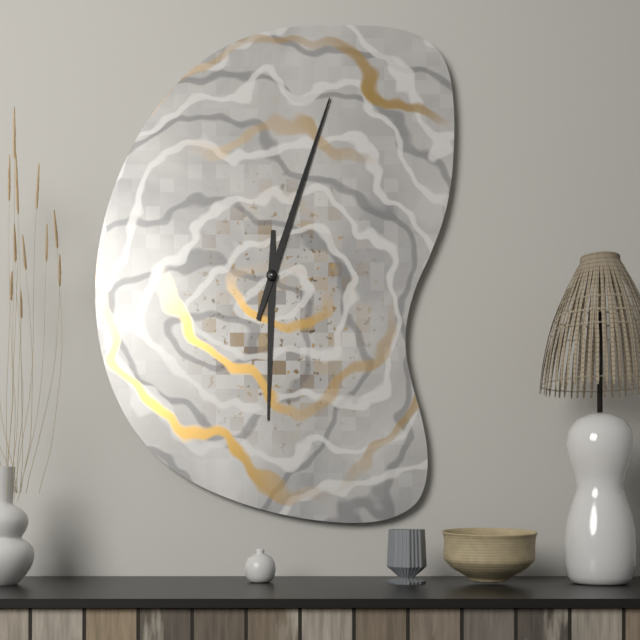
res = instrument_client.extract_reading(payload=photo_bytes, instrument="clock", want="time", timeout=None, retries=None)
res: 6:03
